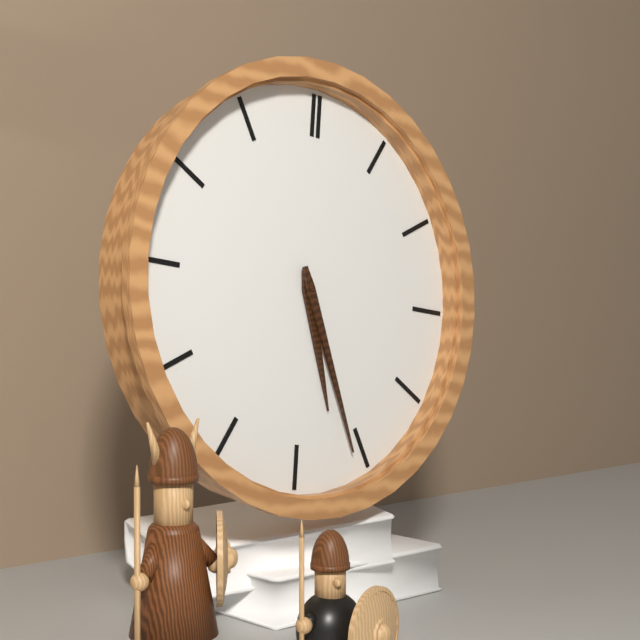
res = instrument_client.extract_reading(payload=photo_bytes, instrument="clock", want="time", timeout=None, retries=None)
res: 5:26
